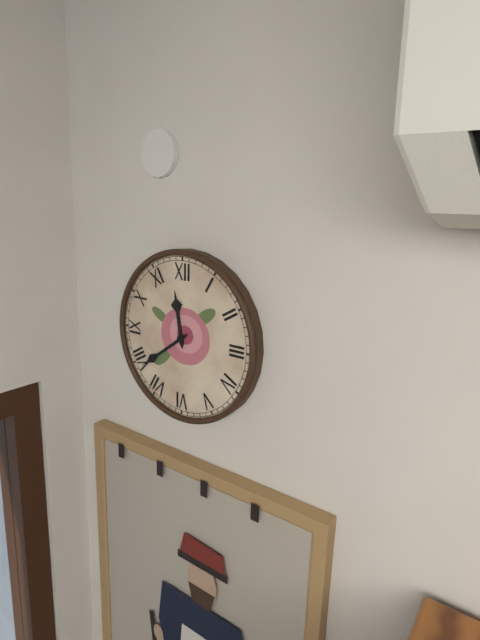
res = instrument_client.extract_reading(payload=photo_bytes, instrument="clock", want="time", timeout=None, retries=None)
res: 11:39
